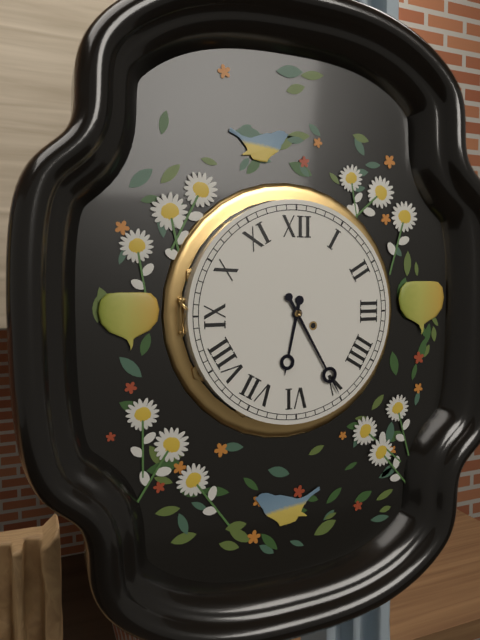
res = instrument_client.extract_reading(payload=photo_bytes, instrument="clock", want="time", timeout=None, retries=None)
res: 6:25
